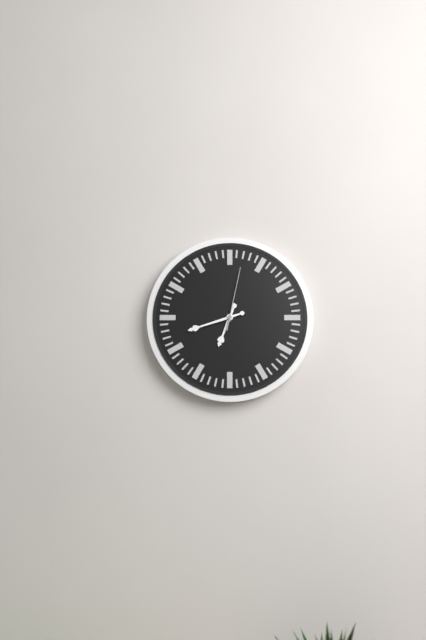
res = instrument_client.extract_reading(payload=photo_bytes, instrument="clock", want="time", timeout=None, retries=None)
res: 6:42:02
